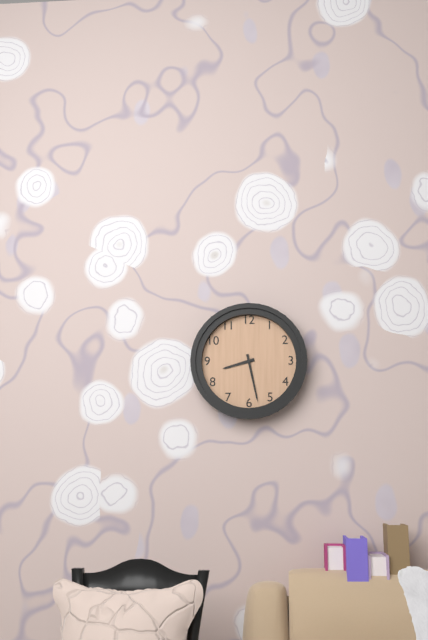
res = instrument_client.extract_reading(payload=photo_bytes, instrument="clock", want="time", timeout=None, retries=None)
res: 8:28
